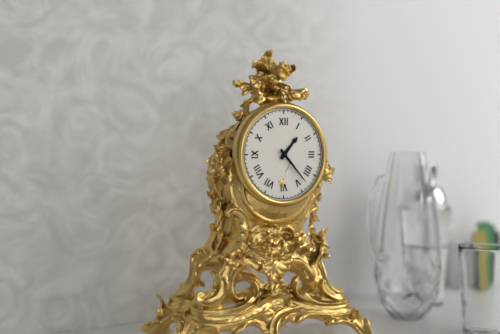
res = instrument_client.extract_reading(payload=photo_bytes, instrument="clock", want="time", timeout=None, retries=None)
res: 1:23
